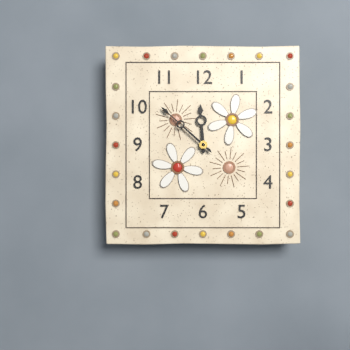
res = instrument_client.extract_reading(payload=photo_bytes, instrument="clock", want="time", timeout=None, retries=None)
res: 11:52
